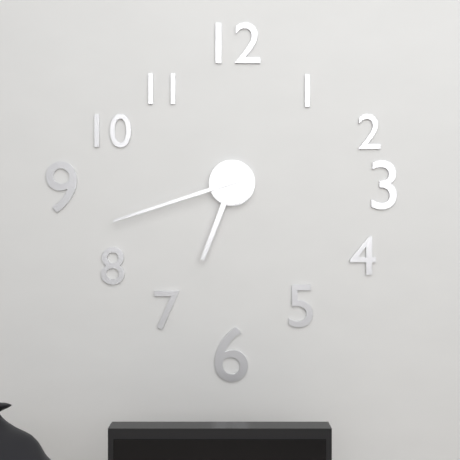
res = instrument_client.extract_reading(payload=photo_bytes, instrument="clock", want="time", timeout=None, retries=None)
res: 6:42
